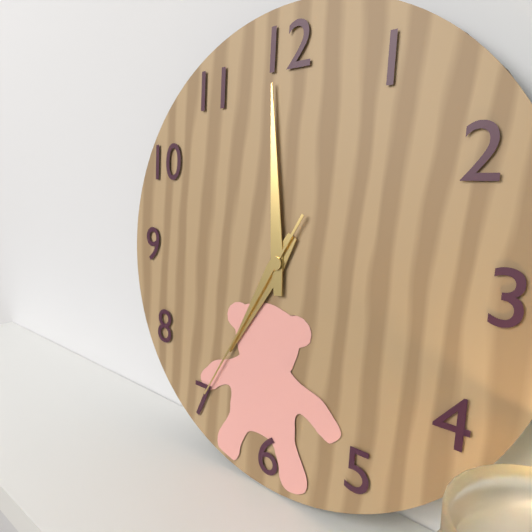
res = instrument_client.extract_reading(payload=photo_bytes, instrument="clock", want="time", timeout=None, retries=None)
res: 6:59:35
